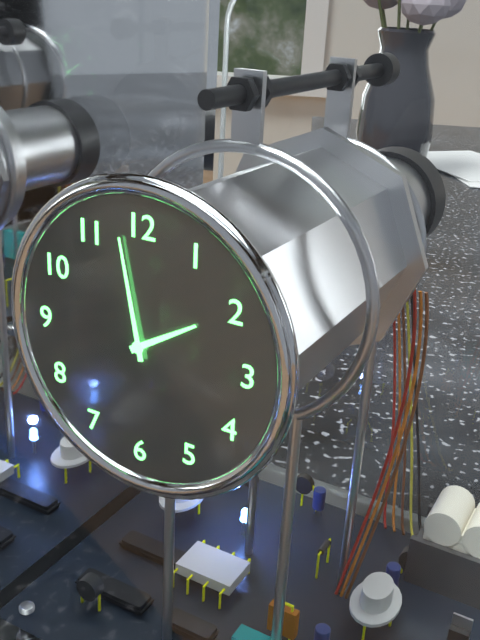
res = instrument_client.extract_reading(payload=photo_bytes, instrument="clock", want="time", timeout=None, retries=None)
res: 1:58
